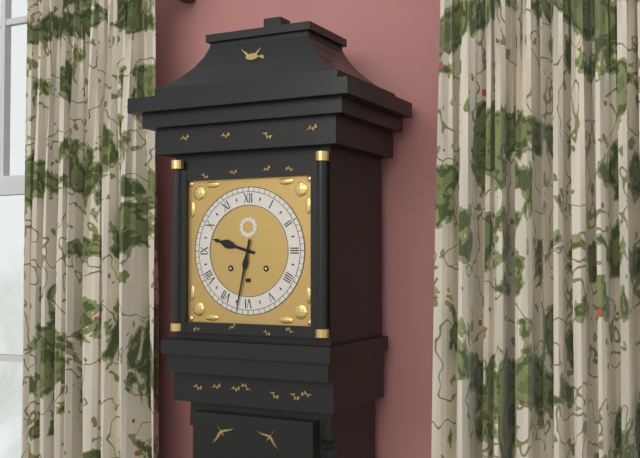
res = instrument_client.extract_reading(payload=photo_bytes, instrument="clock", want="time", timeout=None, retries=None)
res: 9:32
